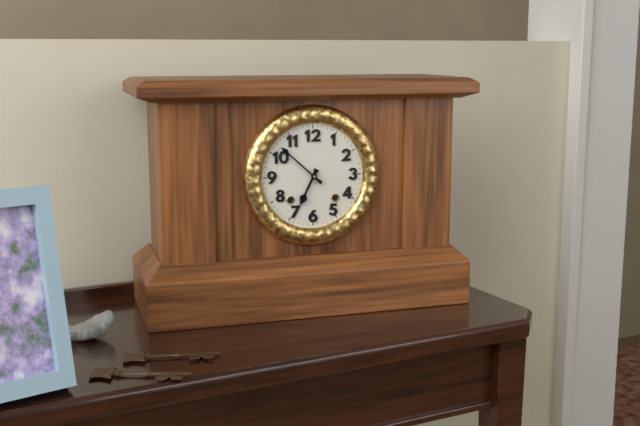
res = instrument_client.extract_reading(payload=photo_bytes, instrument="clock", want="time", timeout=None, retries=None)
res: 6:52
